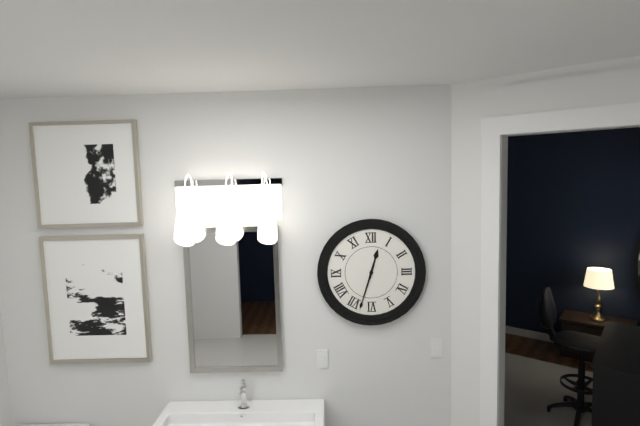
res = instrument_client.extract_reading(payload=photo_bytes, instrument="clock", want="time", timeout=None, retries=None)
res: 12:33
